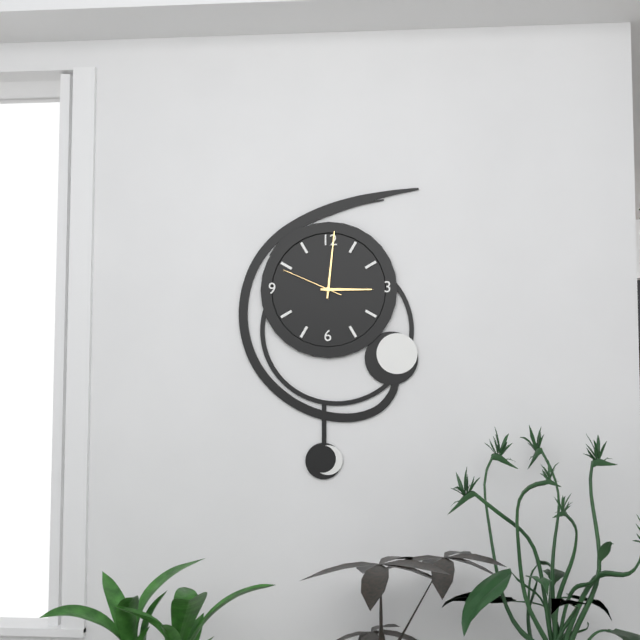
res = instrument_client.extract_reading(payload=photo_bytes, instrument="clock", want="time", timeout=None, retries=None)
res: 3:01:49
